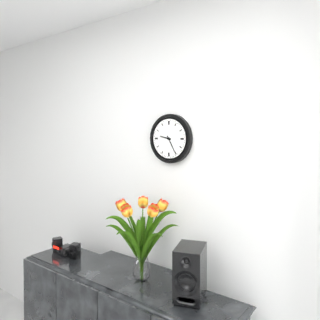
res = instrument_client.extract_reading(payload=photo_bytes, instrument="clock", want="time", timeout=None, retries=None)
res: 9:25
